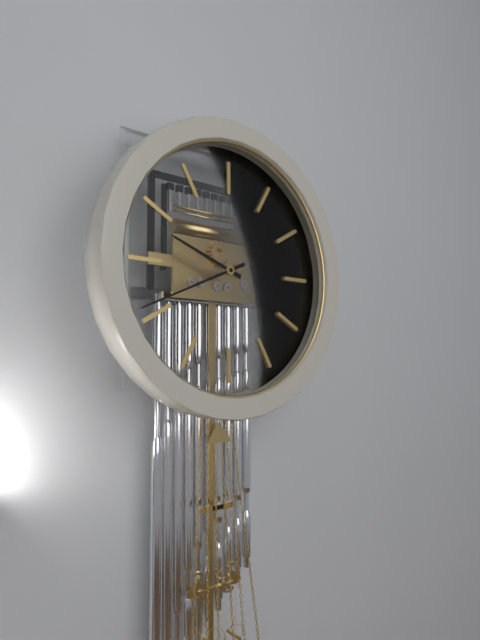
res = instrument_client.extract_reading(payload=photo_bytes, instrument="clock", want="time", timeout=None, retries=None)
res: 9:41
